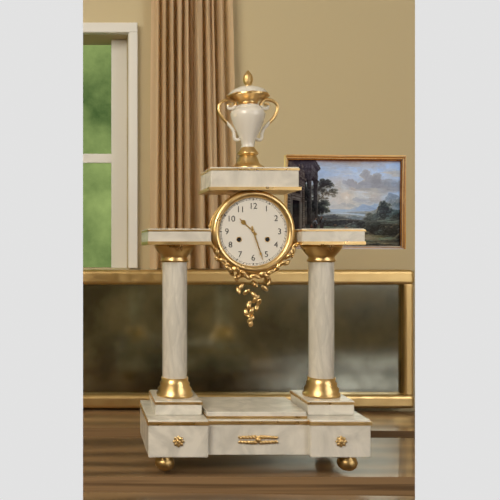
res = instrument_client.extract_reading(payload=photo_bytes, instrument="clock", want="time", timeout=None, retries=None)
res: 10:27
